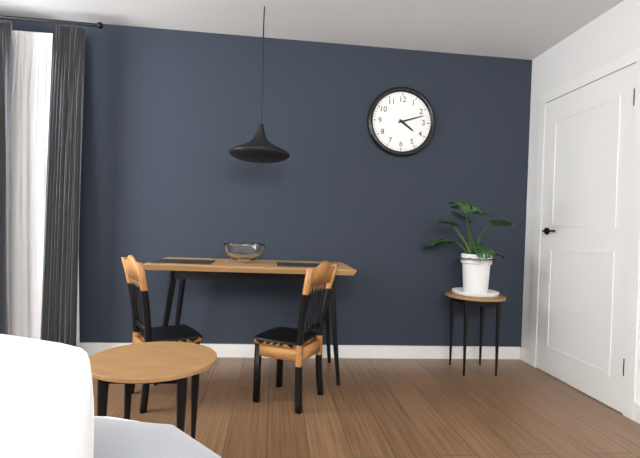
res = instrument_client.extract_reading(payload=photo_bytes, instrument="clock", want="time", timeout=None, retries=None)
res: 4:12
